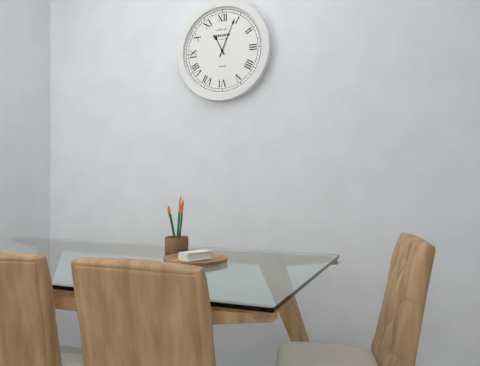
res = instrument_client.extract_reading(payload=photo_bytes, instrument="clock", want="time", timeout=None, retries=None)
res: 11:04
